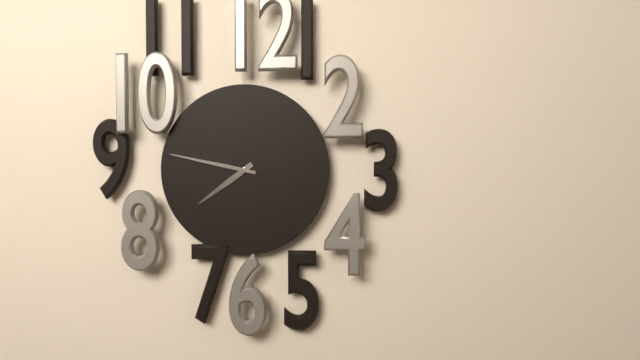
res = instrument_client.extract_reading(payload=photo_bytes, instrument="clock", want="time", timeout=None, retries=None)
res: 7:47
